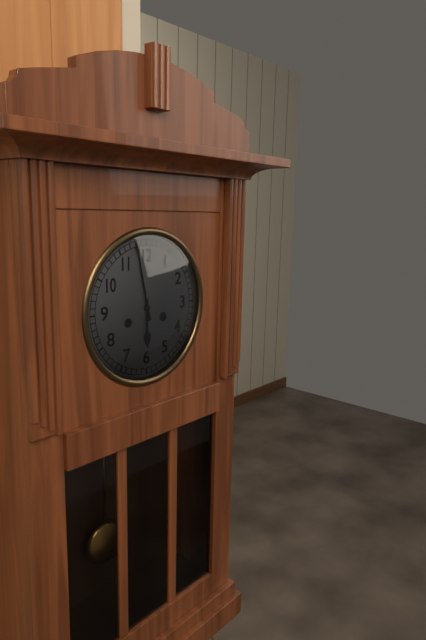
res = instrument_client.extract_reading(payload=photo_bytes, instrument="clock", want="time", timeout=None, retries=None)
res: 5:58
